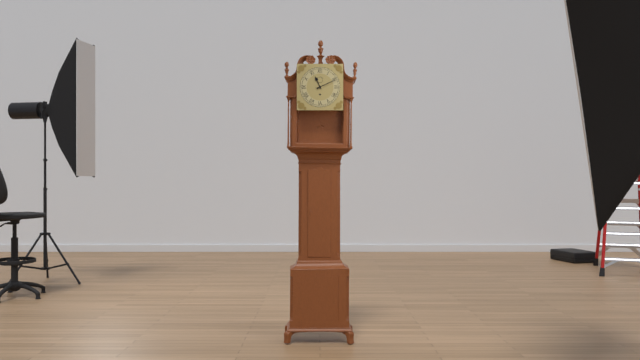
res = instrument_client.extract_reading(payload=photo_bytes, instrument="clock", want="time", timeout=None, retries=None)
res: 11:11
